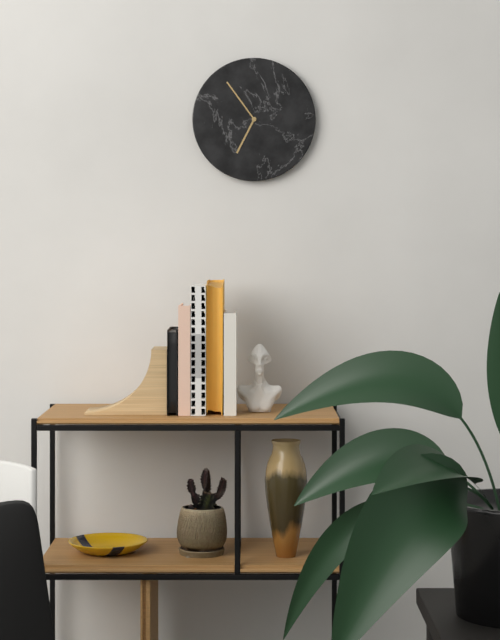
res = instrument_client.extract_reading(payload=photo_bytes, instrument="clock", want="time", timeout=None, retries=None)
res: 6:54
